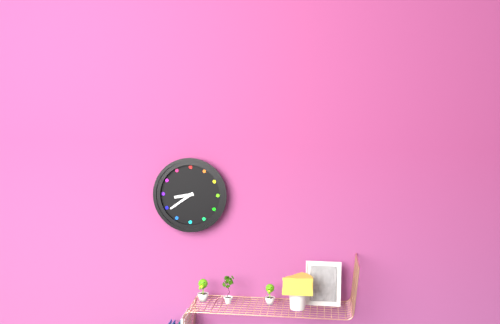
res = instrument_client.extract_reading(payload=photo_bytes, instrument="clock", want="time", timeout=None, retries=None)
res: 8:39
